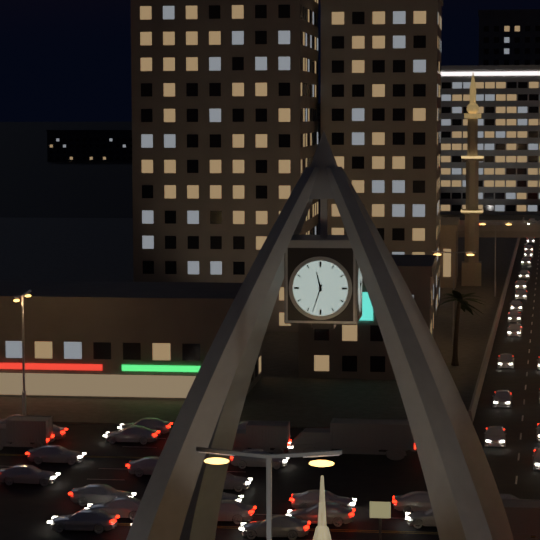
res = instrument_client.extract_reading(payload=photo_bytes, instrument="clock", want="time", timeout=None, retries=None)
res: 11:33
